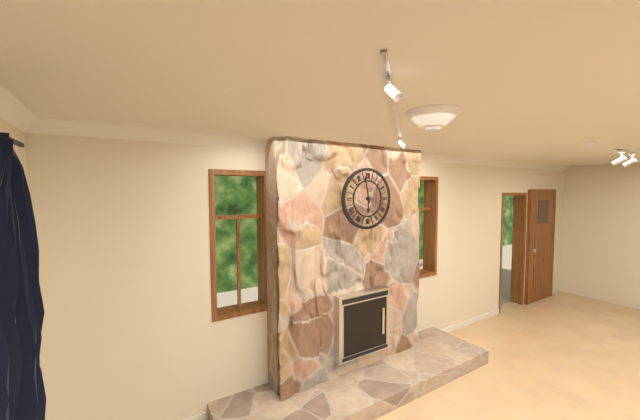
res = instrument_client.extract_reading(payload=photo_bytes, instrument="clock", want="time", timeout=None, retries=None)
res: 5:58
